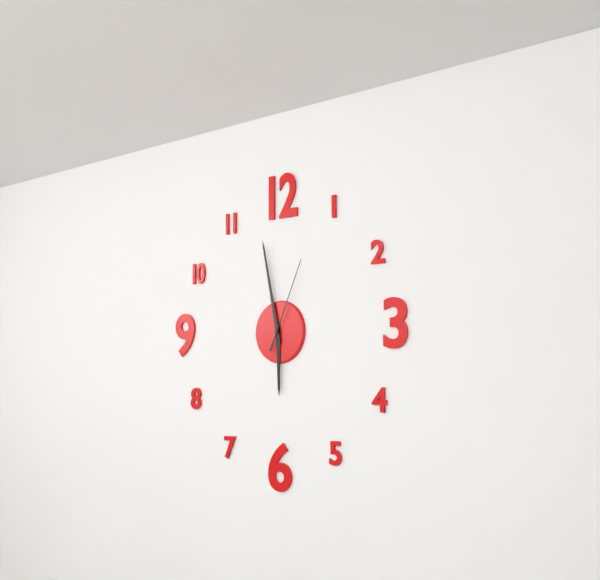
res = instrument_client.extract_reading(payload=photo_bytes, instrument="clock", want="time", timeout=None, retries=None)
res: 5:58:04
